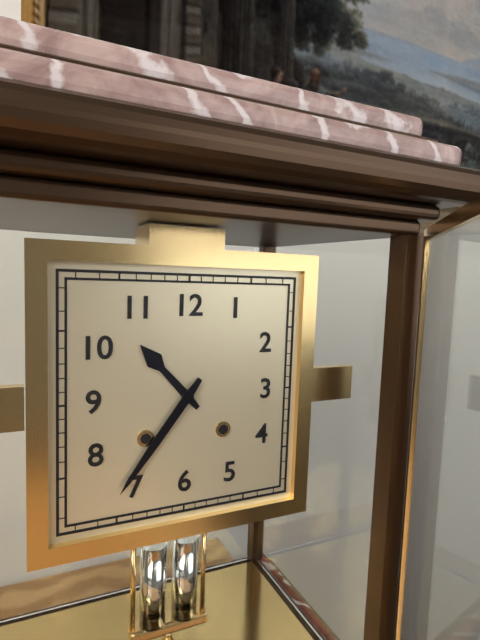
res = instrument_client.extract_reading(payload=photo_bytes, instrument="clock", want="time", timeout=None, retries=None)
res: 10:36
